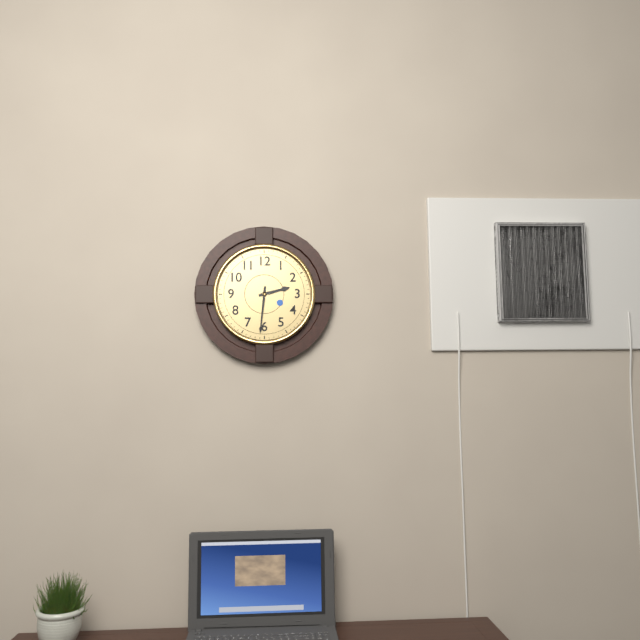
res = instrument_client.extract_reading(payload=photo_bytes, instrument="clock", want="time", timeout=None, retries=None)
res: 2:31
